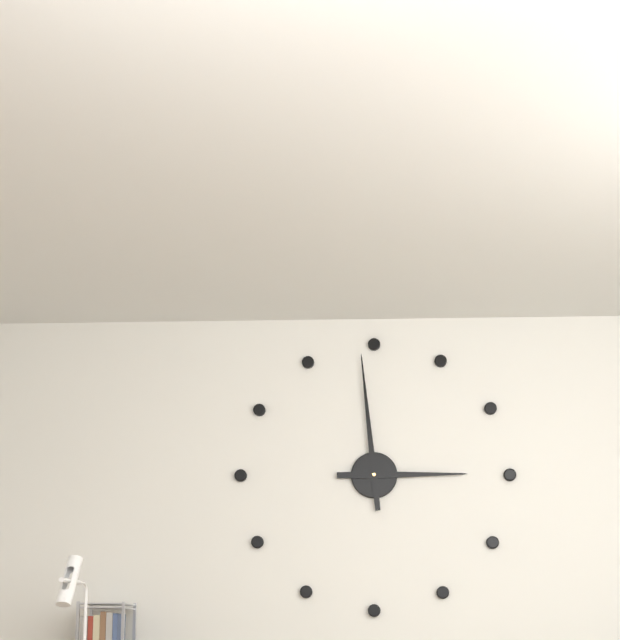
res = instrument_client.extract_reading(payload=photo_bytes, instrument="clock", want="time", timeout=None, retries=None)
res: 2:59
